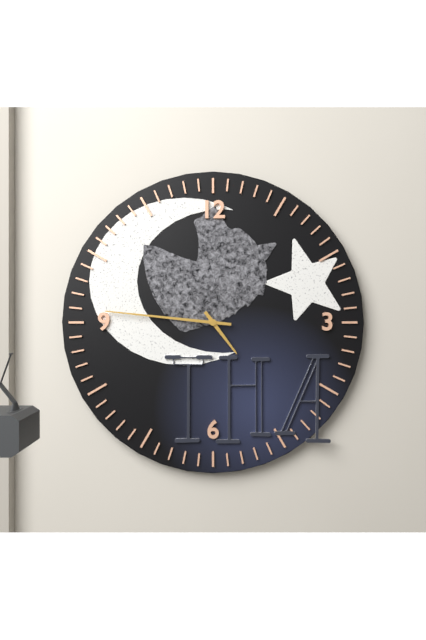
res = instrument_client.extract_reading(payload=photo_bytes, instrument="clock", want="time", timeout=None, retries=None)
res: 4:46
